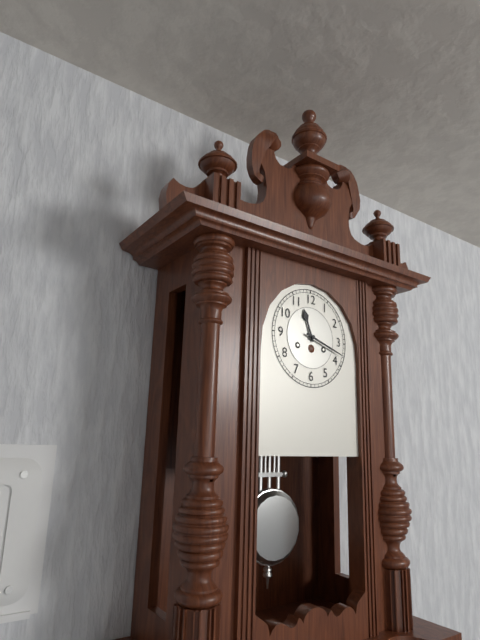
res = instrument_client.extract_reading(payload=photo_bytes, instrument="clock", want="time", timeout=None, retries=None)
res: 11:18
